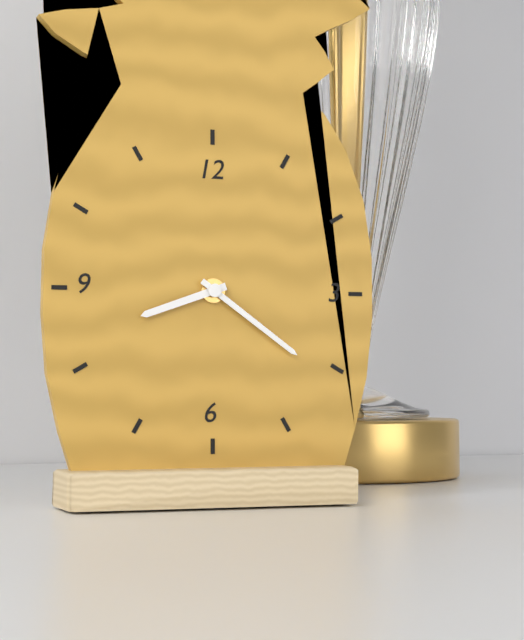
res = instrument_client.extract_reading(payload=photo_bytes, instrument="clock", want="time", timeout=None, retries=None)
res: 8:21
